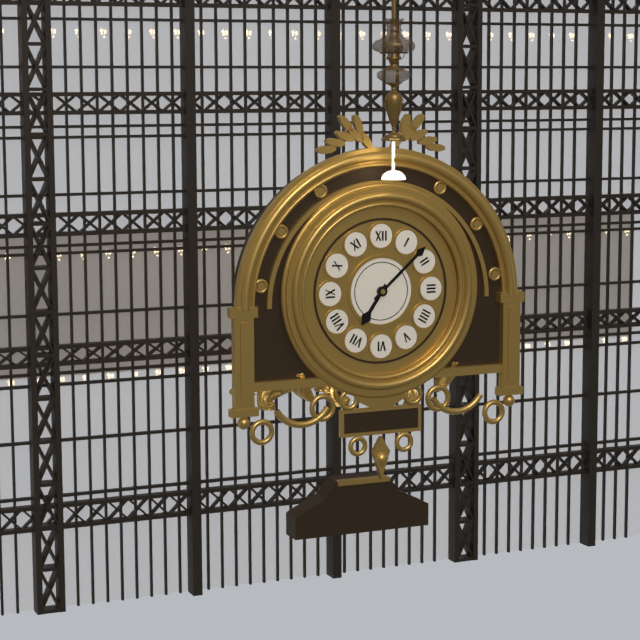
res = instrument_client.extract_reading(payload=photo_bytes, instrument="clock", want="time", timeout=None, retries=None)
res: 7:08
